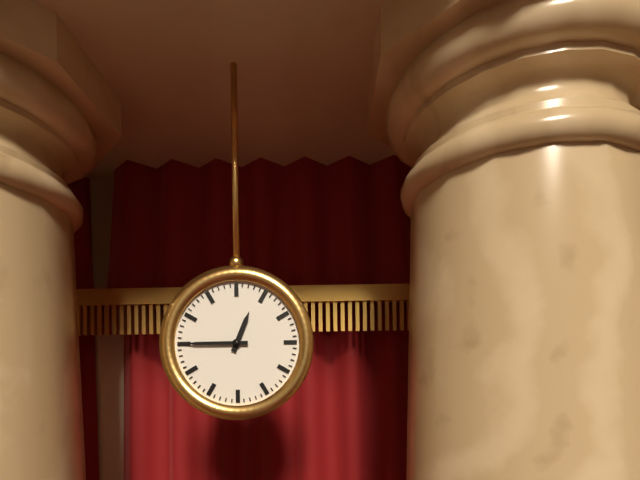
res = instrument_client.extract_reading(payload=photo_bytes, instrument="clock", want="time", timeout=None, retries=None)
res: 12:45
